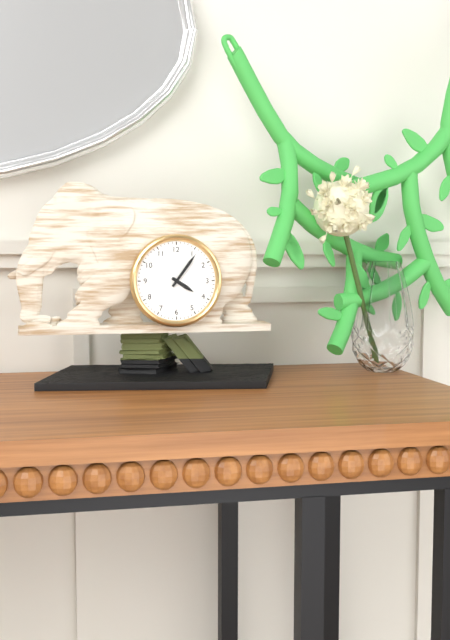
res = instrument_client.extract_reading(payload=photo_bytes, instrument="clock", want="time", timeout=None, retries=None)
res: 4:06
